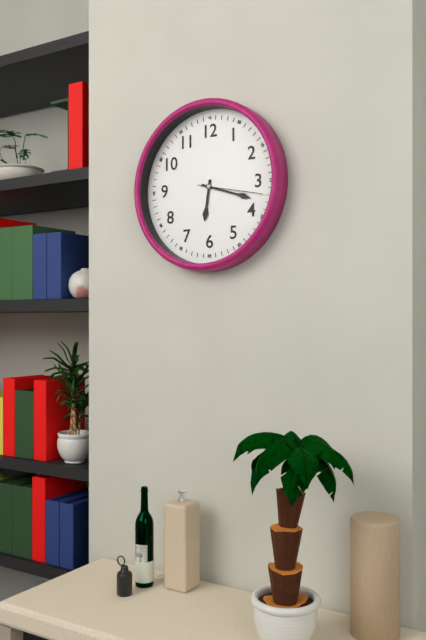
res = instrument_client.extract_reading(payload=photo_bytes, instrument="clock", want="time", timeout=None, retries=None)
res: 6:18:17
